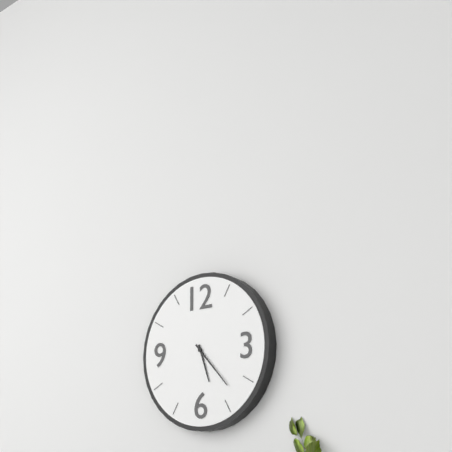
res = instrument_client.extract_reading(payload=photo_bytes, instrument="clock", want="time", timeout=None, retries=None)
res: 5:23
